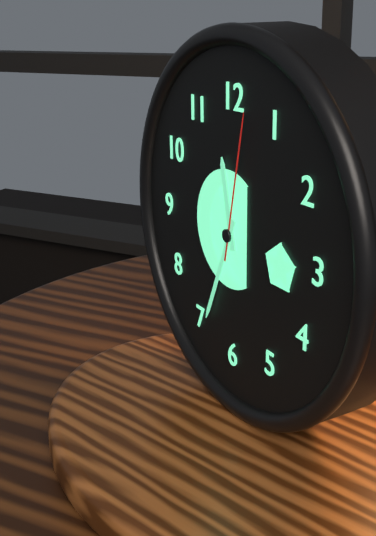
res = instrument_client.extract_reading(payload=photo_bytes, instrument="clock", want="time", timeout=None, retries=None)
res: 11:34:02
